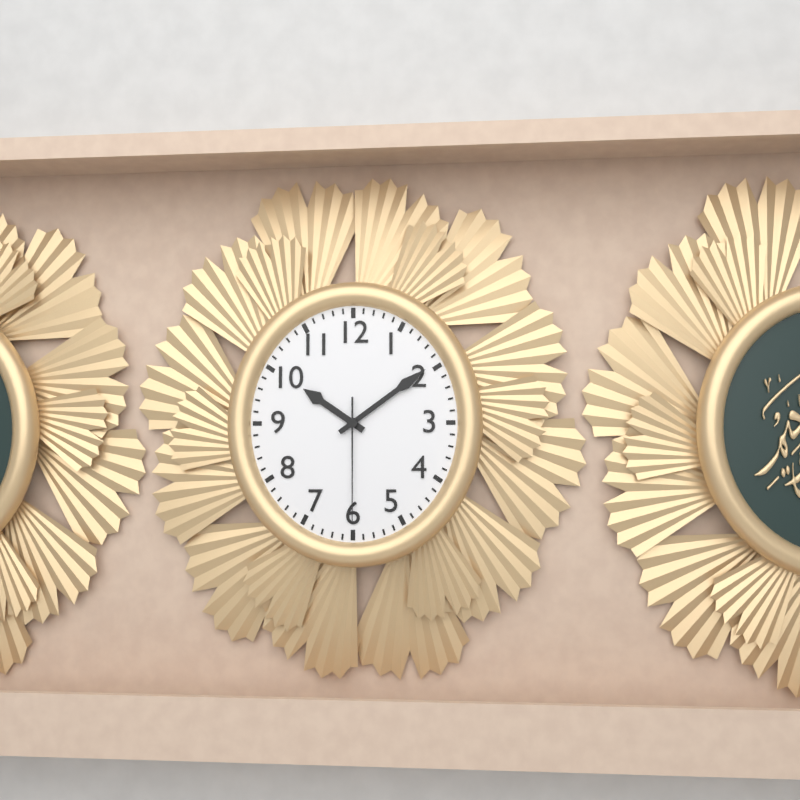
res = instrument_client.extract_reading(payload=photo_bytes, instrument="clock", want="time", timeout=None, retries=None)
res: 10:09:30
